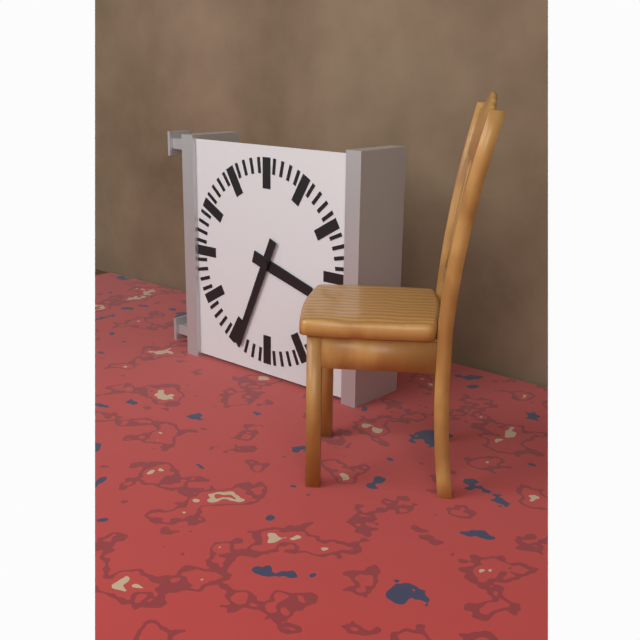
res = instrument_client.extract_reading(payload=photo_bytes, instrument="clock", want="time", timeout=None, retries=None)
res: 3:34
